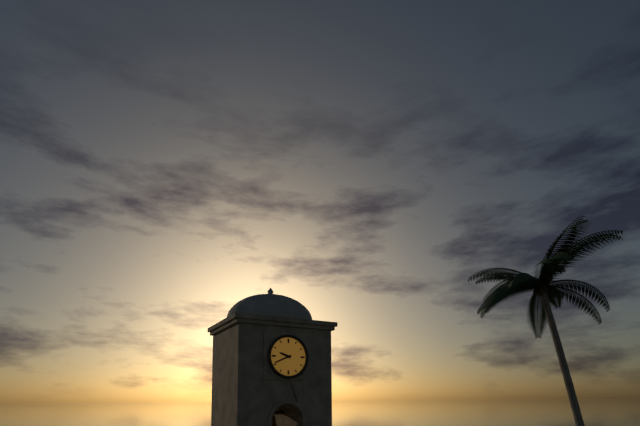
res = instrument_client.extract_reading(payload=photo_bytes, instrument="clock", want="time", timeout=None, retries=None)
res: 9:41
